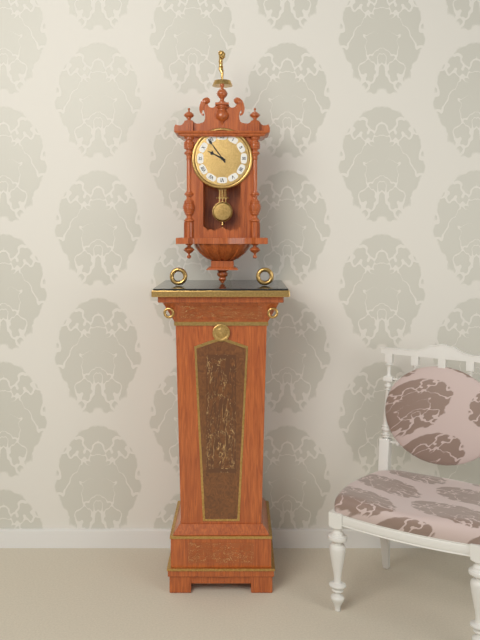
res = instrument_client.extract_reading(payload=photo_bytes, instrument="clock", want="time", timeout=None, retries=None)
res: 9:54
